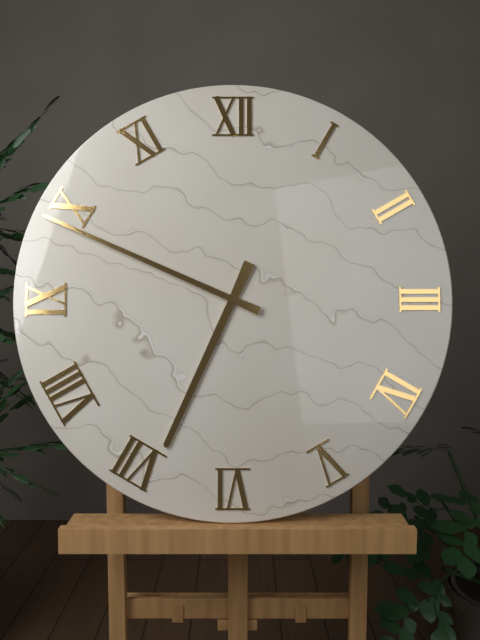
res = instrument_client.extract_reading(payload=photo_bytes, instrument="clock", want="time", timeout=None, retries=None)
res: 6:49
